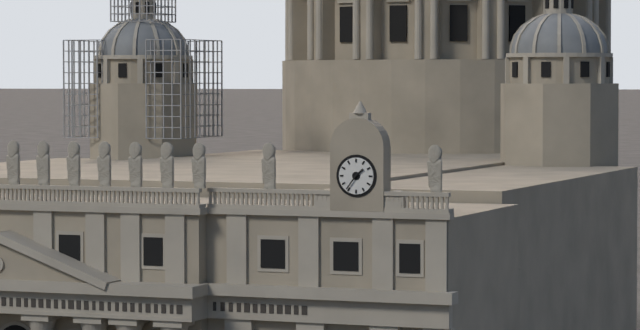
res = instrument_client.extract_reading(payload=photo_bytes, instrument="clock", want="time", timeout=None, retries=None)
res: 1:36
